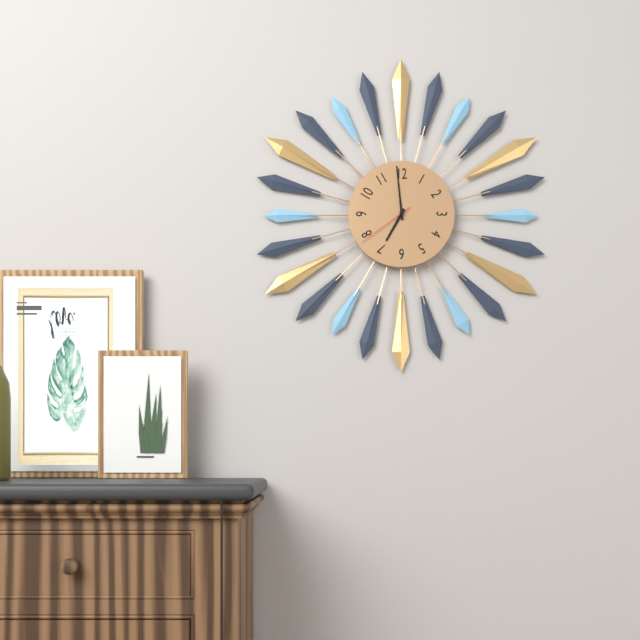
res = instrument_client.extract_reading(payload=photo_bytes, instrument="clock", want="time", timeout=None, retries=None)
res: 6:59:39
